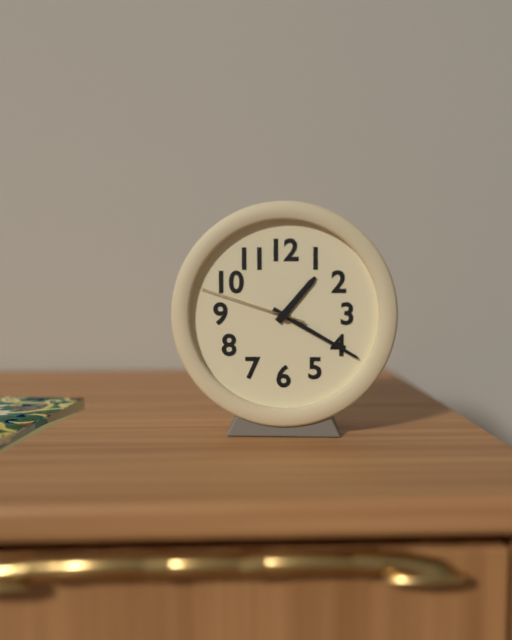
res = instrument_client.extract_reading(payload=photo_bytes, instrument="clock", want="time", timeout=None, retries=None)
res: 1:20:48
